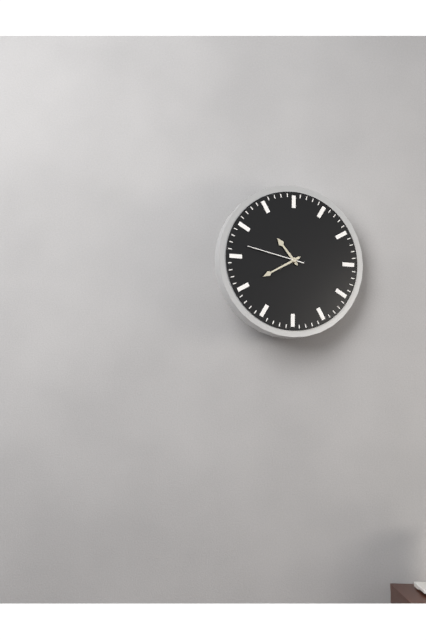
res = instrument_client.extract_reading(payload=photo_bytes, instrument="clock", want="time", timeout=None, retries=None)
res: 10:40:47
